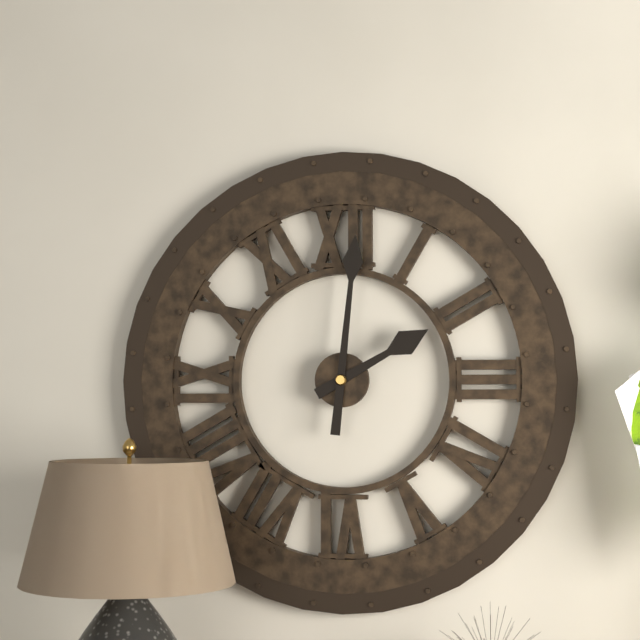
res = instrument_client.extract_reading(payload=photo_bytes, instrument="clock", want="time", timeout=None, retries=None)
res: 2:01
